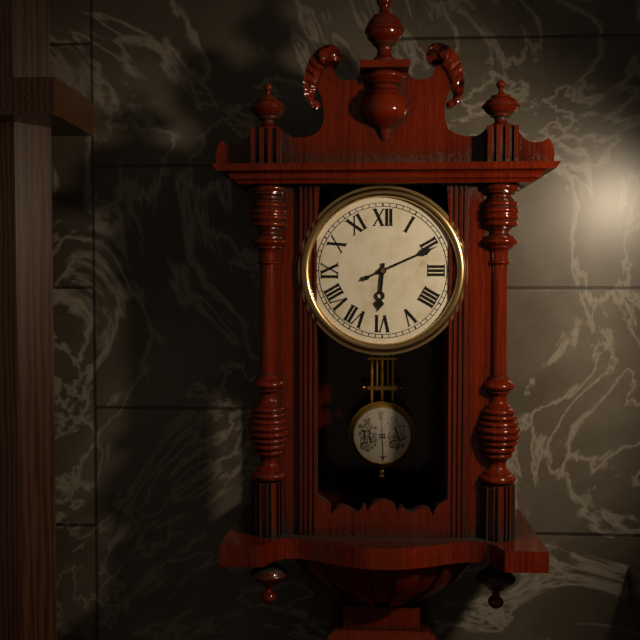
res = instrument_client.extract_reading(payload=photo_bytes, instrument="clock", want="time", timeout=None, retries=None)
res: 6:11
